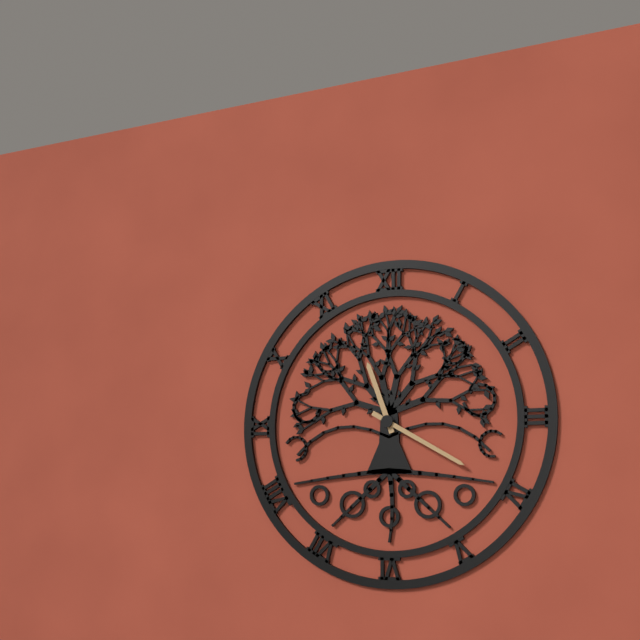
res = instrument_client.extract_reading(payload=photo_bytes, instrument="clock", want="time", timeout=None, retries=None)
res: 11:20
